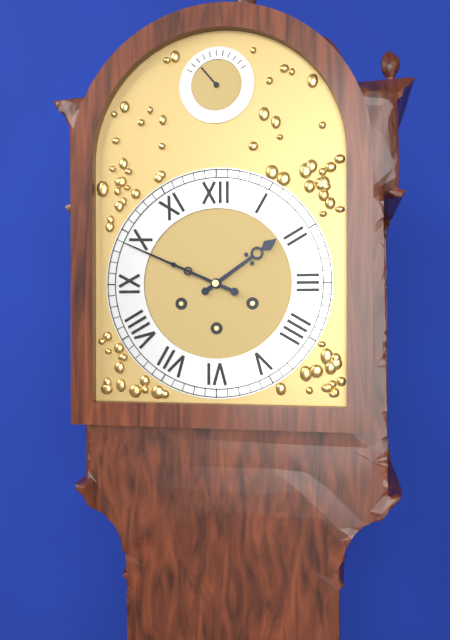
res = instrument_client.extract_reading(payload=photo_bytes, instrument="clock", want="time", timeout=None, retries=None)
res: 1:49
